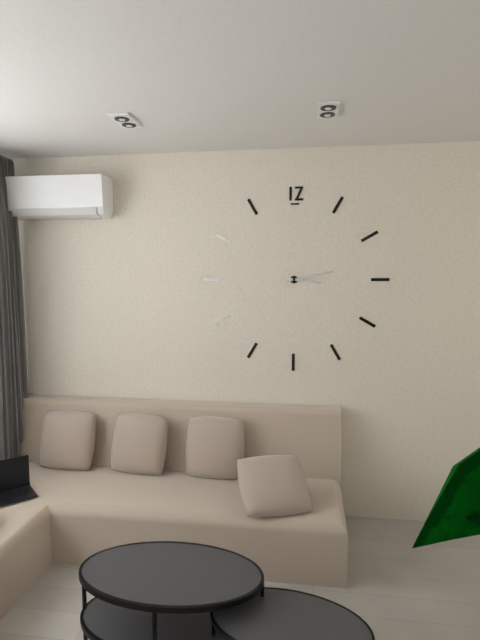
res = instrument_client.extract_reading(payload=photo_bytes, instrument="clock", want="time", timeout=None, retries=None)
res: 3:13
